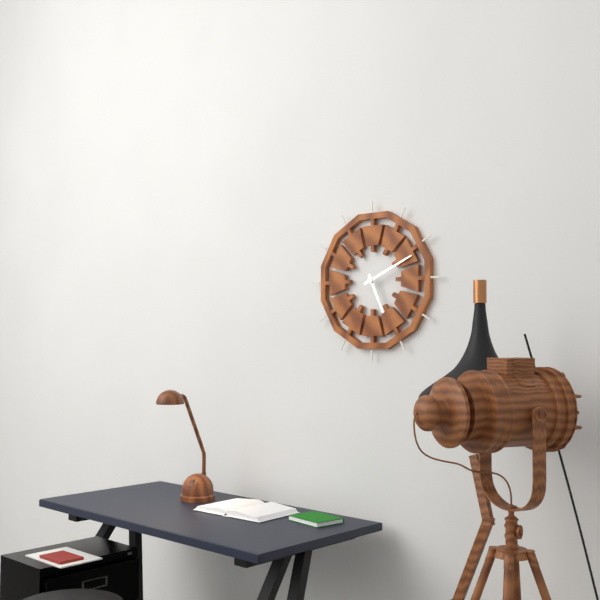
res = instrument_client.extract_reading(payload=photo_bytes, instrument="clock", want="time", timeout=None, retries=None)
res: 5:11
